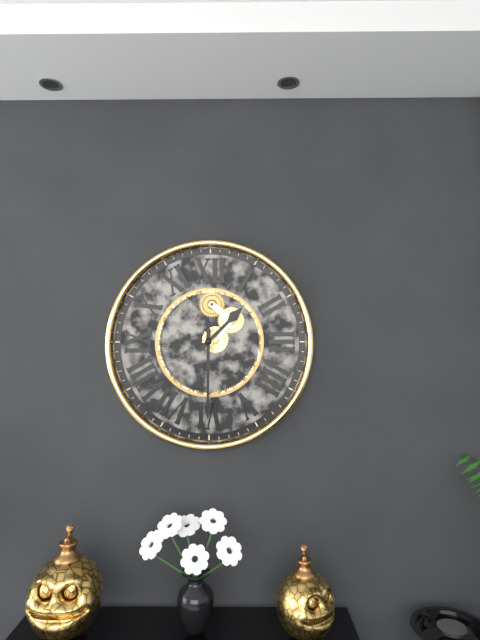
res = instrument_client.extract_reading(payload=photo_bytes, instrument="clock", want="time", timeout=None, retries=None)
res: 1:30
